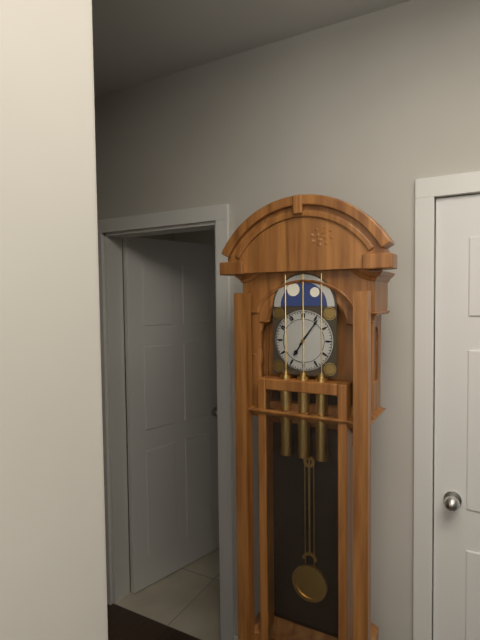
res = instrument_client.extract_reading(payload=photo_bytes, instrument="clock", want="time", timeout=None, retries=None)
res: 7:06
